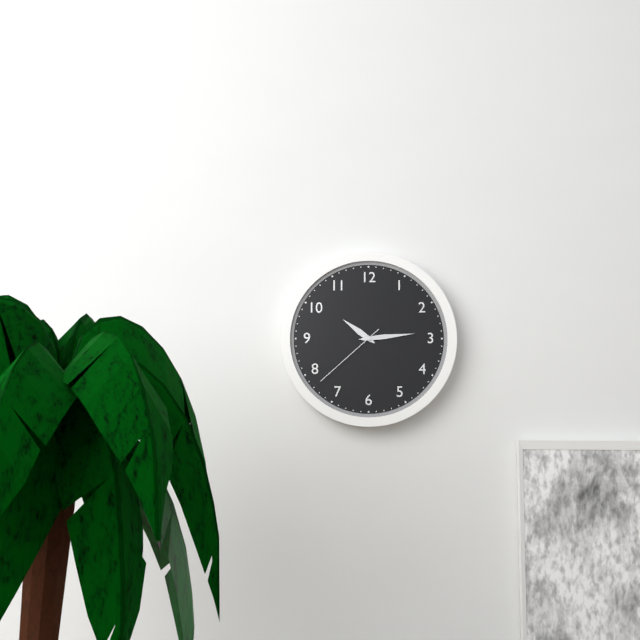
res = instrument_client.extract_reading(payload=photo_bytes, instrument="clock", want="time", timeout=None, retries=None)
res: 10:14:38
